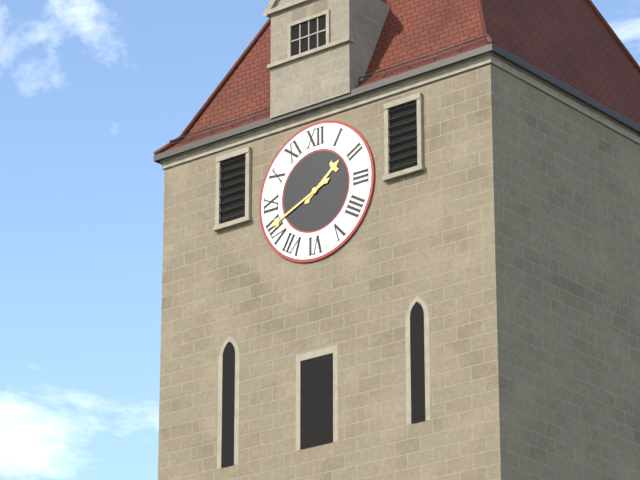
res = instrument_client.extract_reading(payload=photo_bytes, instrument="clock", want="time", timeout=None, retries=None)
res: 1:41
